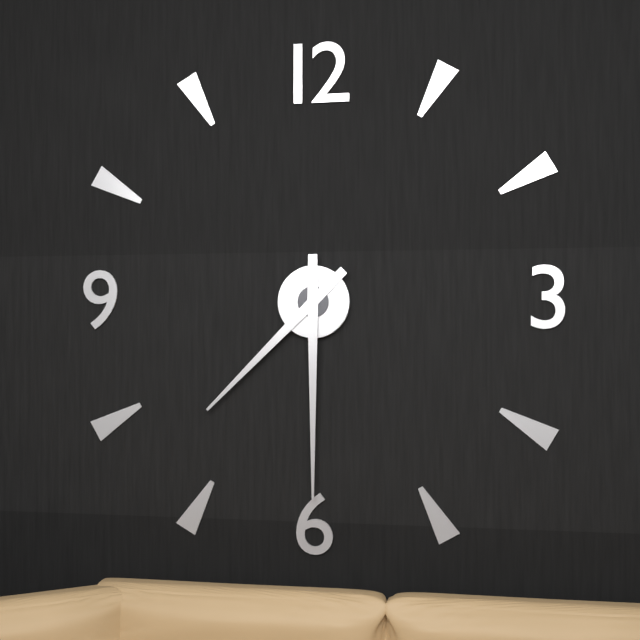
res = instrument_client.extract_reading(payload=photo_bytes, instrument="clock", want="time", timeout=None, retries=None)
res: 7:30
